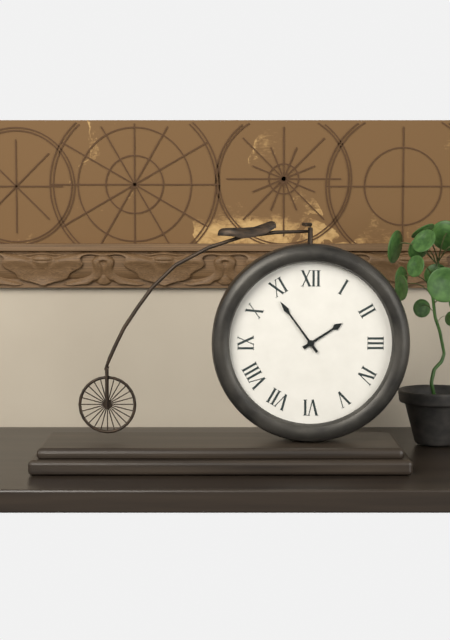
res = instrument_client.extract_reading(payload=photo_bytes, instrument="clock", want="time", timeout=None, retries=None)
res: 1:54
